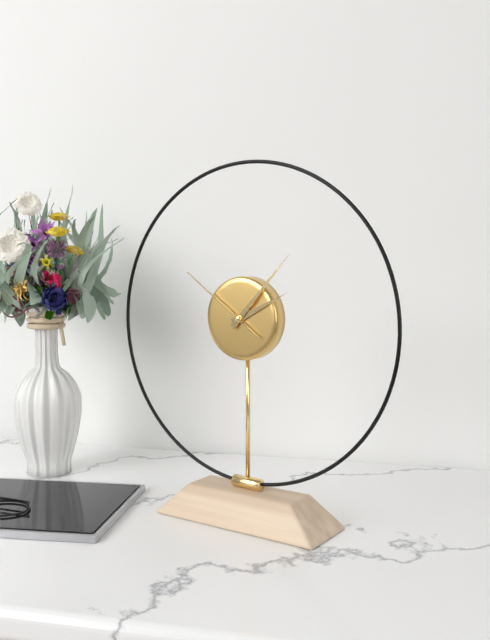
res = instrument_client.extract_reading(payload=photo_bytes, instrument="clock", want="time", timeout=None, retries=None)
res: 2:07:51
